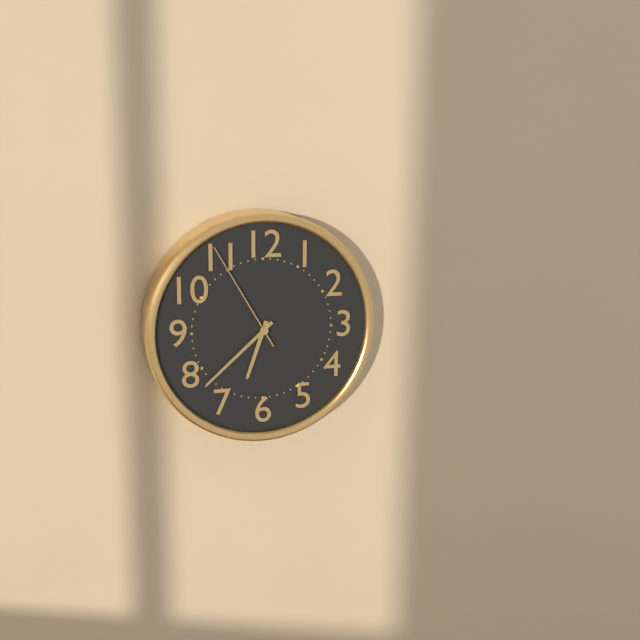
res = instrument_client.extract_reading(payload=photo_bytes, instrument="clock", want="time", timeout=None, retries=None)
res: 6:38:55
